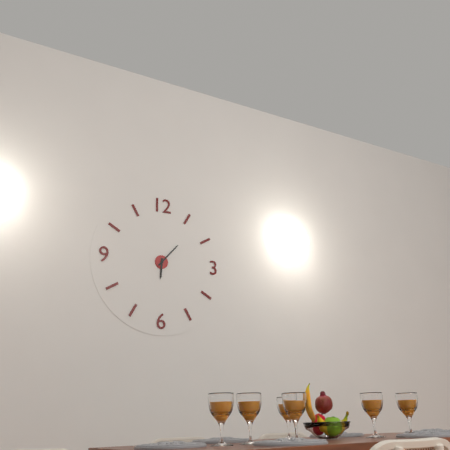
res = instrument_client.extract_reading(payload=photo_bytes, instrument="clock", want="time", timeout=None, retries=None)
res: 6:07
